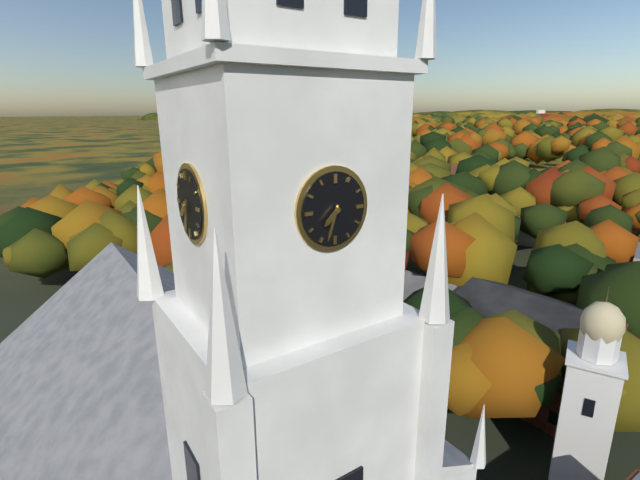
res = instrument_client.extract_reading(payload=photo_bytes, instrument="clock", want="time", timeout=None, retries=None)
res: 7:33
